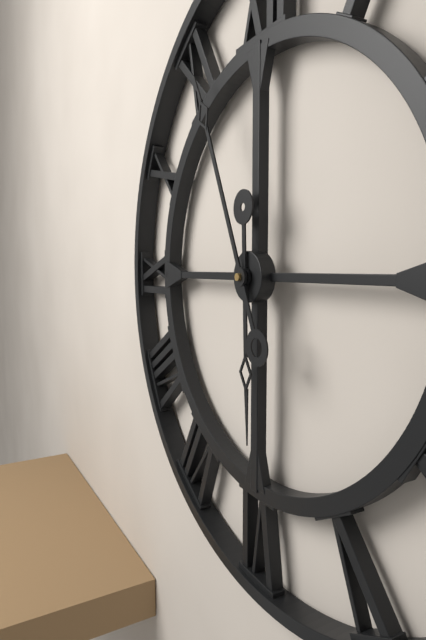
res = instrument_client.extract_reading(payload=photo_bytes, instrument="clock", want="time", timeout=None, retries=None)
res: 5:56
